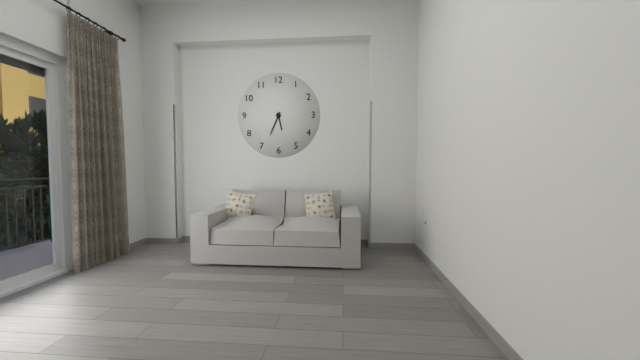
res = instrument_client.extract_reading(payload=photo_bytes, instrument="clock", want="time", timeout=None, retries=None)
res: 5:34
